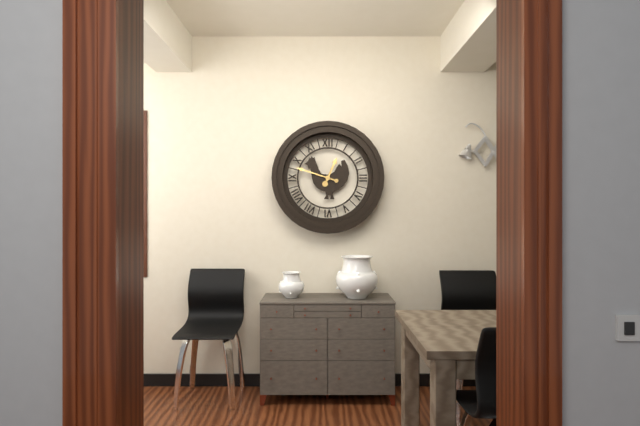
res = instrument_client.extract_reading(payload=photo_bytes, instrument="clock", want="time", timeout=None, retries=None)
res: 12:48
